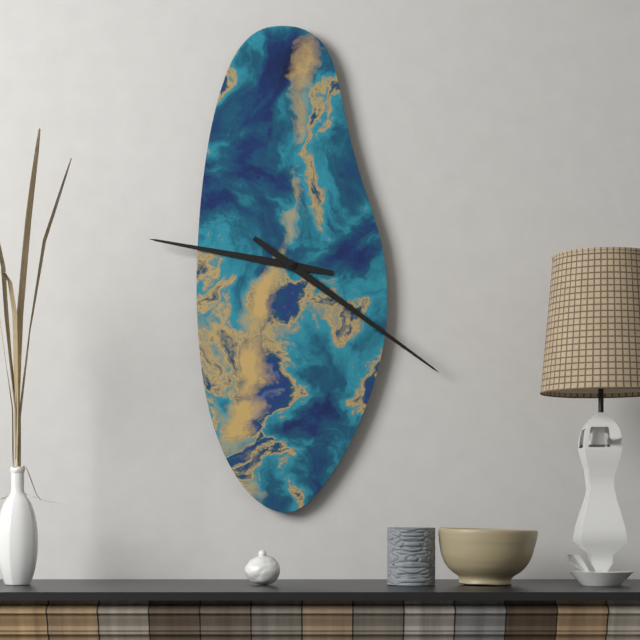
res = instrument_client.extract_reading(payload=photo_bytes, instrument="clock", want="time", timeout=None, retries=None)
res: 9:21
